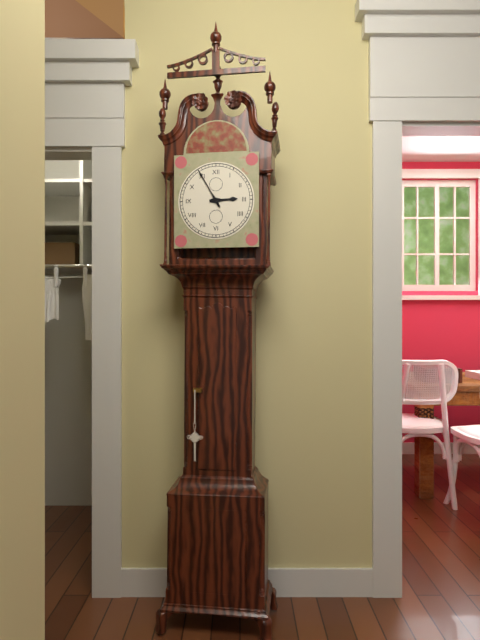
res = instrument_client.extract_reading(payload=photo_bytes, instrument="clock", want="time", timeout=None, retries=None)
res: 2:55
